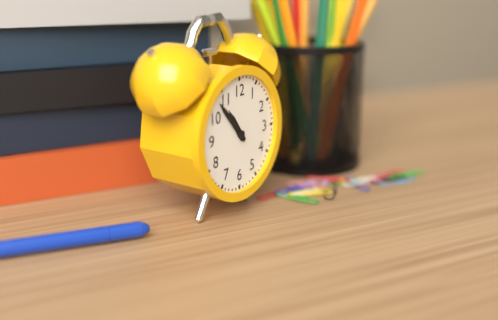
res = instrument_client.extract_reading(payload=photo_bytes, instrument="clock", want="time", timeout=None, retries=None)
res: 10:53
